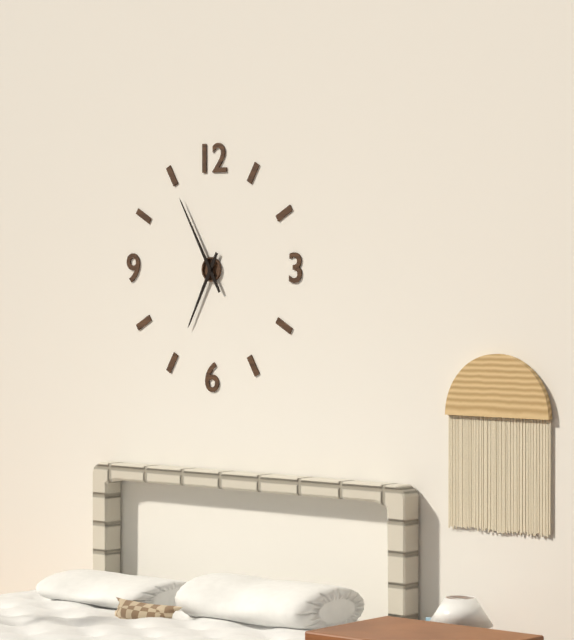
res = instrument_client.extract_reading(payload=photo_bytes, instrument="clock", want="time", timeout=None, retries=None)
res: 6:55
